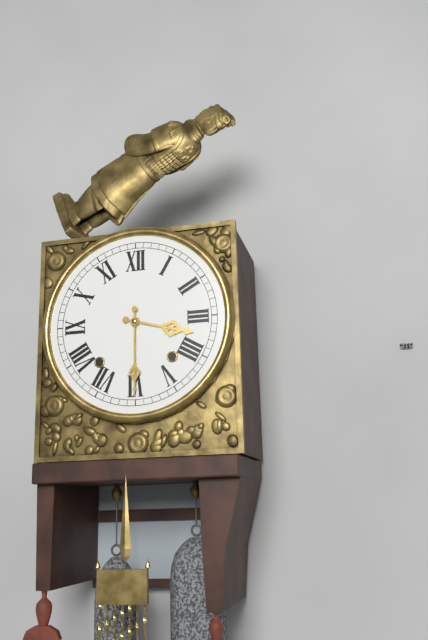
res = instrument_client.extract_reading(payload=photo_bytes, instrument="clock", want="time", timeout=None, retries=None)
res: 3:30
